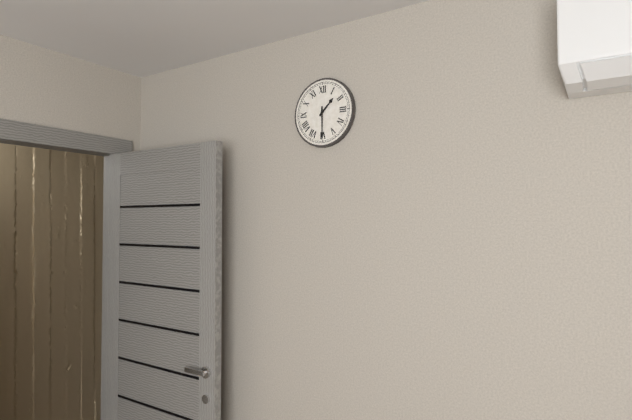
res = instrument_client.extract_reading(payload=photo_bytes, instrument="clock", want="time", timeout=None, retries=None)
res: 1:30
